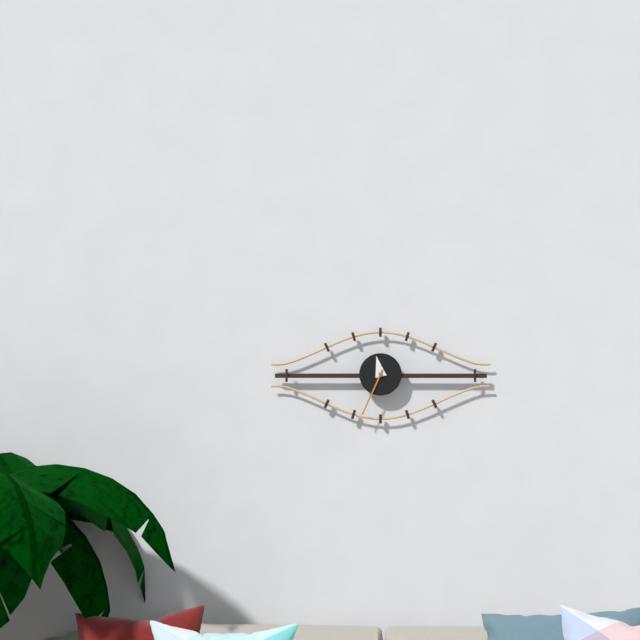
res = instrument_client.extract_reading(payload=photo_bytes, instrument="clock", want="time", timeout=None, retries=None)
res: 11:34
